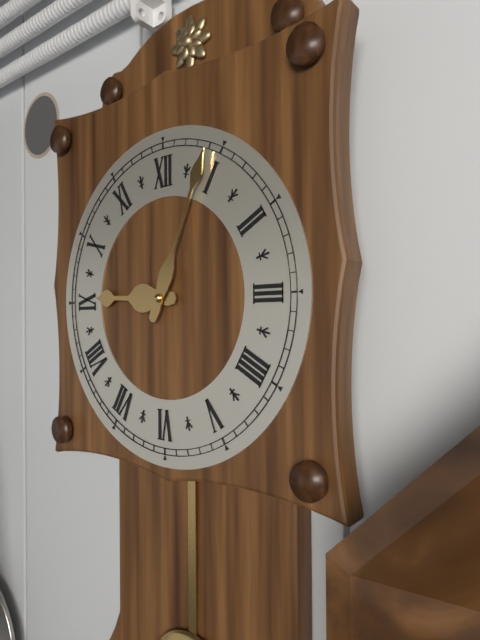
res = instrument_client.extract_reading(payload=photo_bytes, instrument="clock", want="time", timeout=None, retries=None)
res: 9:04
